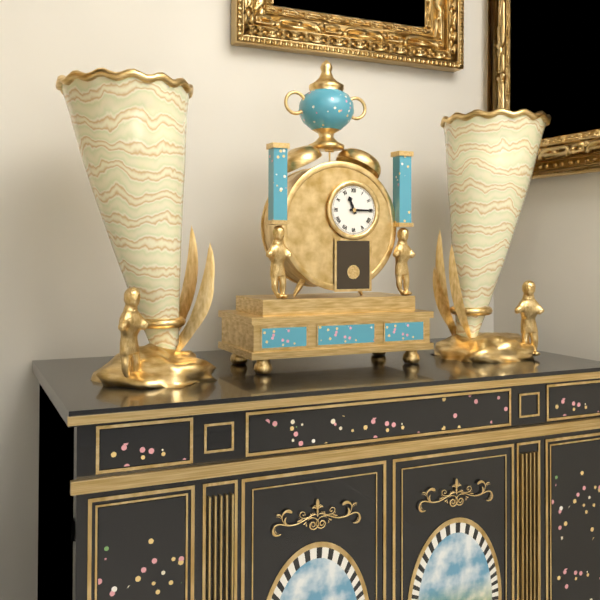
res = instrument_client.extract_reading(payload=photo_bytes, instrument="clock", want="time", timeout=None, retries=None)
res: 11:15
